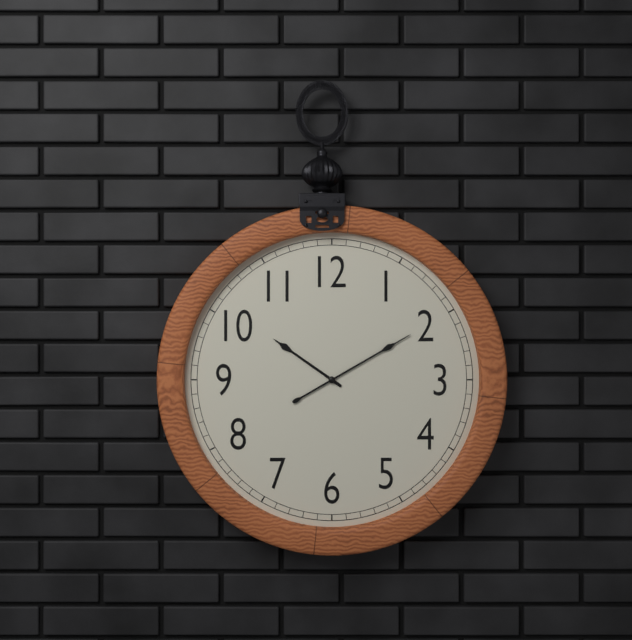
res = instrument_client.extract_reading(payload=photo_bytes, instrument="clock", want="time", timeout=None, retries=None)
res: 10:10
